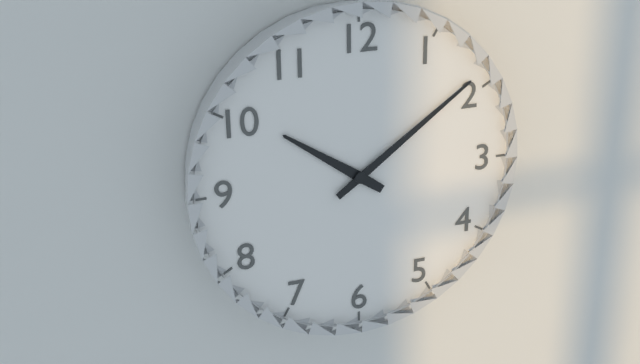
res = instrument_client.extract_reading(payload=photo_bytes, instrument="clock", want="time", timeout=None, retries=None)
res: 10:09
